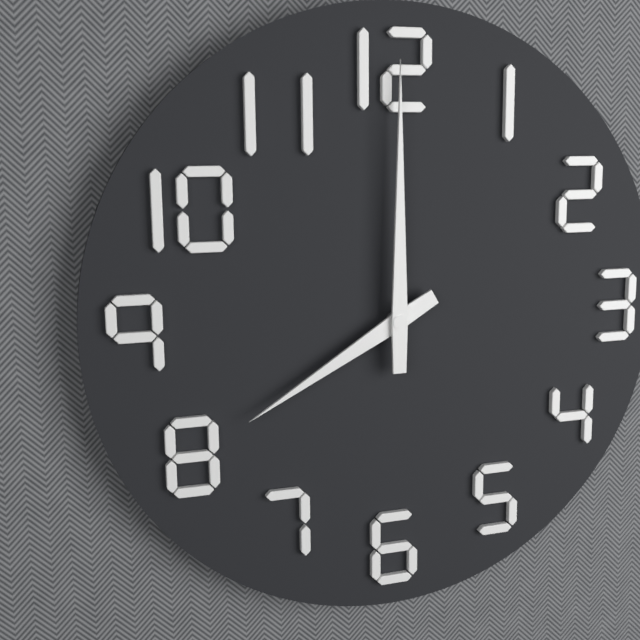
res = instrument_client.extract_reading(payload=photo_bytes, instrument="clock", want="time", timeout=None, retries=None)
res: 8:00
